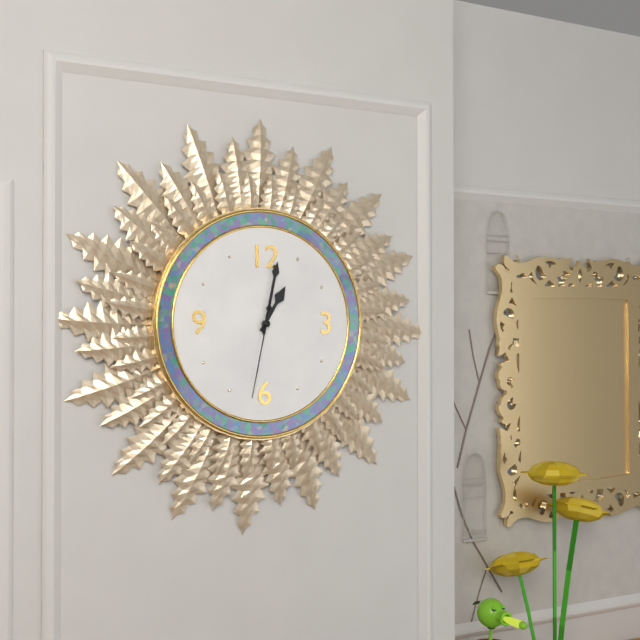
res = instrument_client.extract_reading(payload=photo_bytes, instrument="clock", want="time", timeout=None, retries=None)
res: 1:02:32
